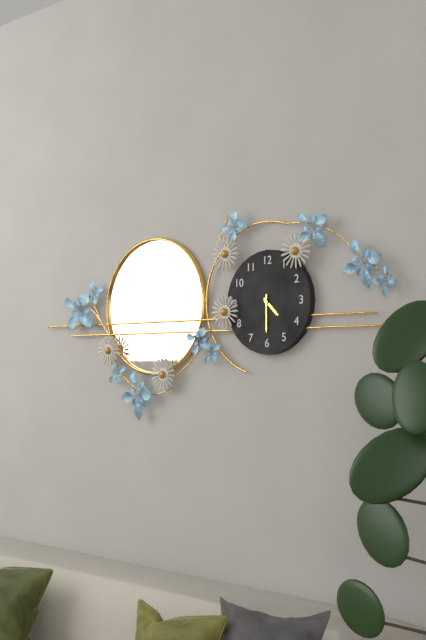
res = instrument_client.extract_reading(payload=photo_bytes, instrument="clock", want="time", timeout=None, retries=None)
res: 4:30
